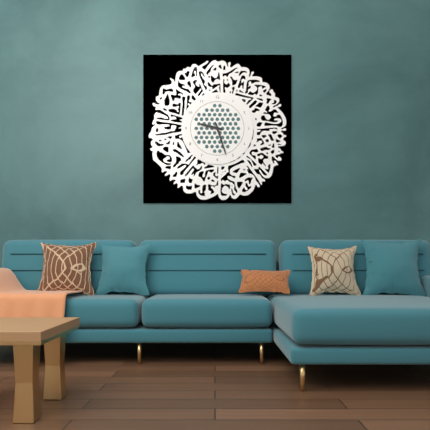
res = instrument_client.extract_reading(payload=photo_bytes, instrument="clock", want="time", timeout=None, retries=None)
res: 9:27
